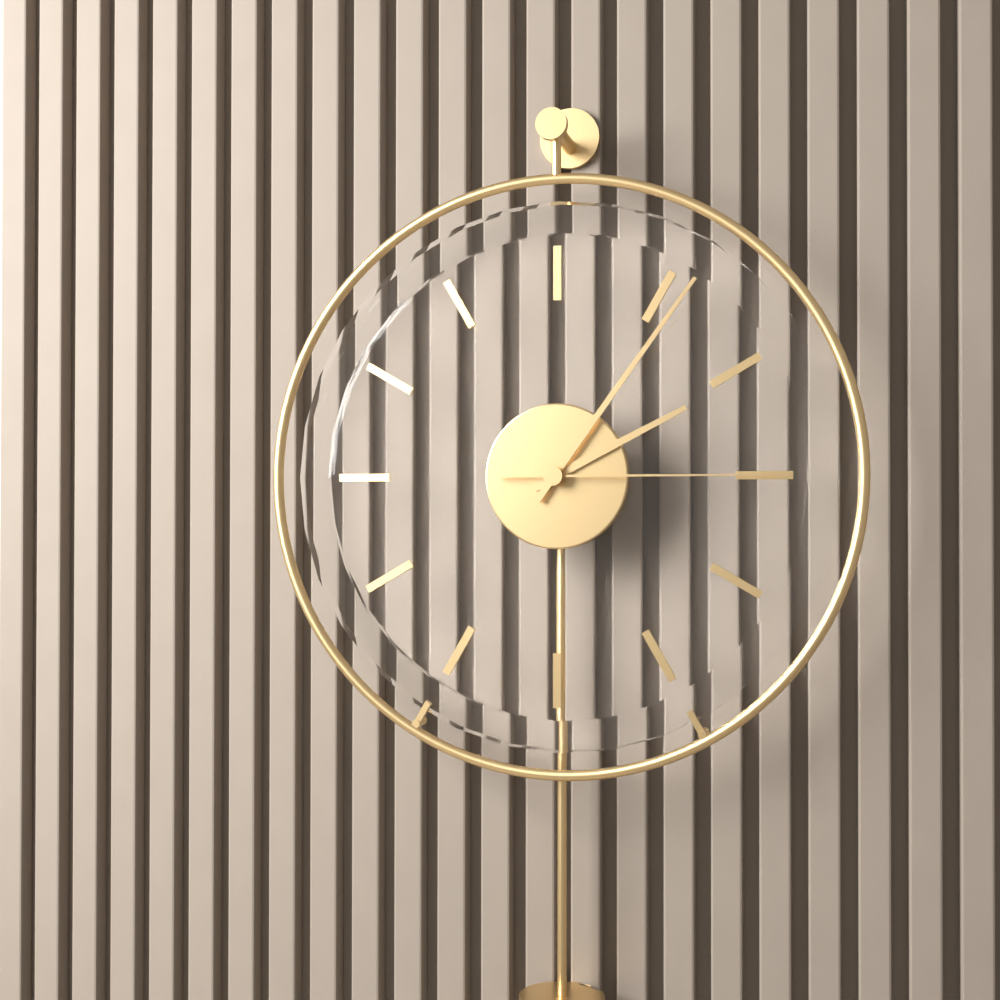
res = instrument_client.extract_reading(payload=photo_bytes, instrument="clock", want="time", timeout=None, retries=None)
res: 2:06:15
